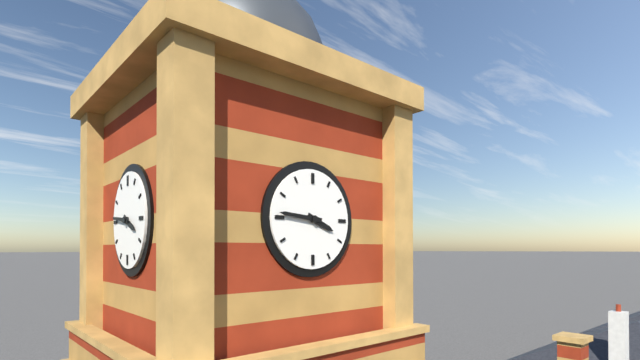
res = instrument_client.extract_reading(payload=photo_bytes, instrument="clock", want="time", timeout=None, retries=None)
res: 3:46
